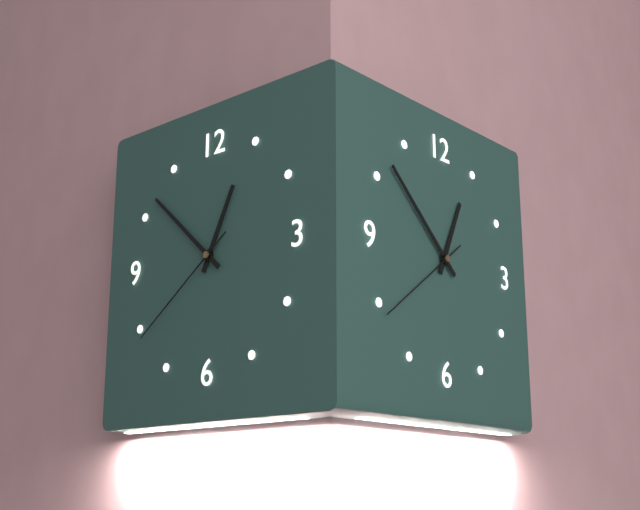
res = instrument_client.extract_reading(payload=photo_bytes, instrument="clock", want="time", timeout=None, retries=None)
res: 12:52:39
